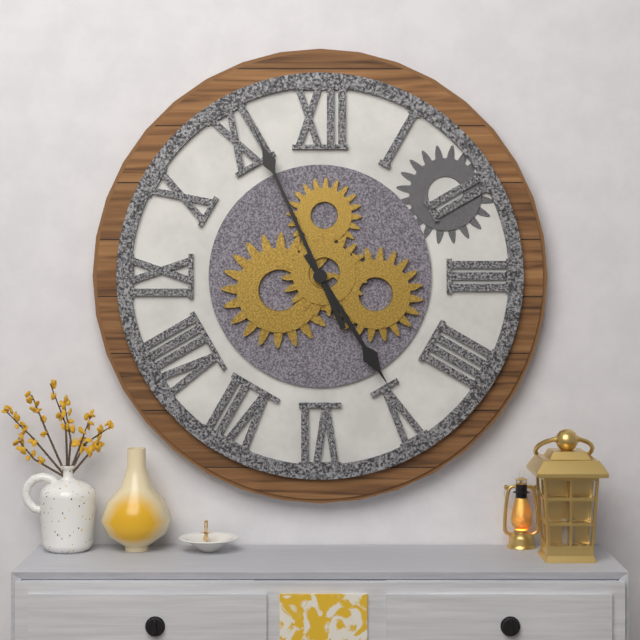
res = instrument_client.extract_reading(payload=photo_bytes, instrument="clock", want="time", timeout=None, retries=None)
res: 4:56
